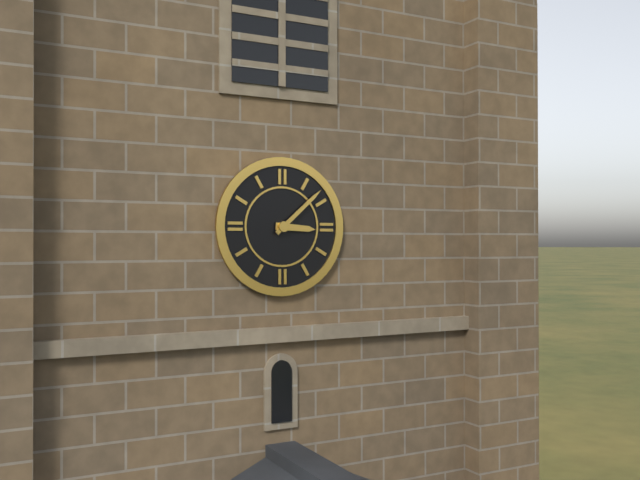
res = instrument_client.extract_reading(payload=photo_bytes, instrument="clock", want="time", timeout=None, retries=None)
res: 3:08
